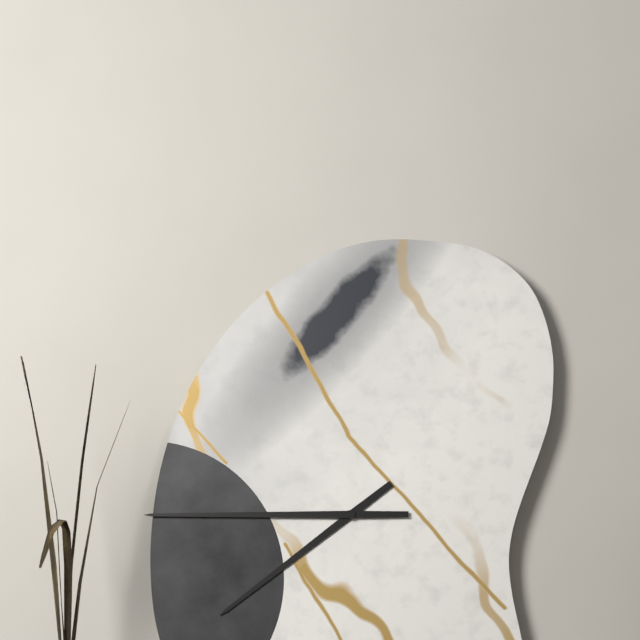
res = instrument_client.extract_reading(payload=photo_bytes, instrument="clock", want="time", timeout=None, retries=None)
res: 7:45
